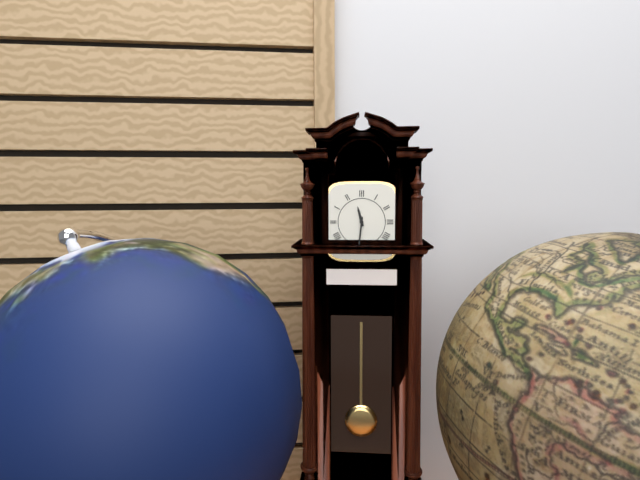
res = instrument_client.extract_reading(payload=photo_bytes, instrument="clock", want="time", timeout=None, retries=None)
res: 11:31
